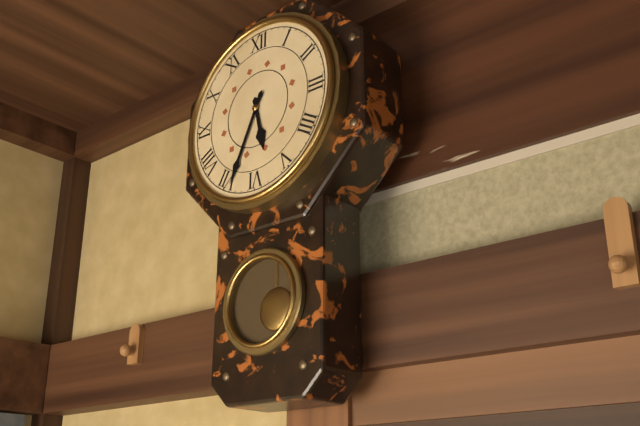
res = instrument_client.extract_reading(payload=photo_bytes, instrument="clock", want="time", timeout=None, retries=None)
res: 5:34
